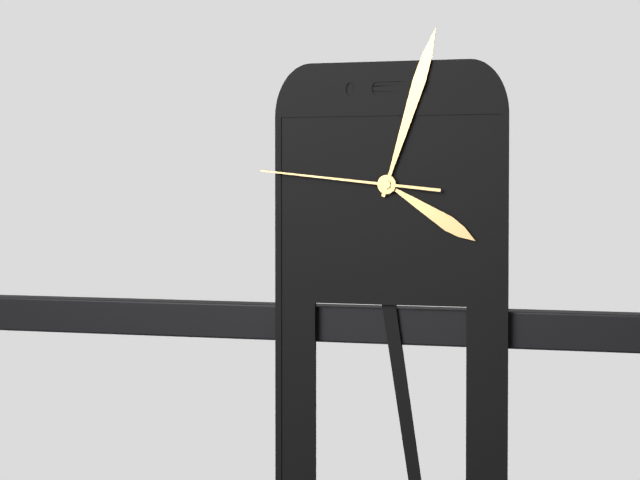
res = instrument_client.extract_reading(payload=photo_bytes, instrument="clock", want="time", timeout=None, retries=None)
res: 4:03:46
